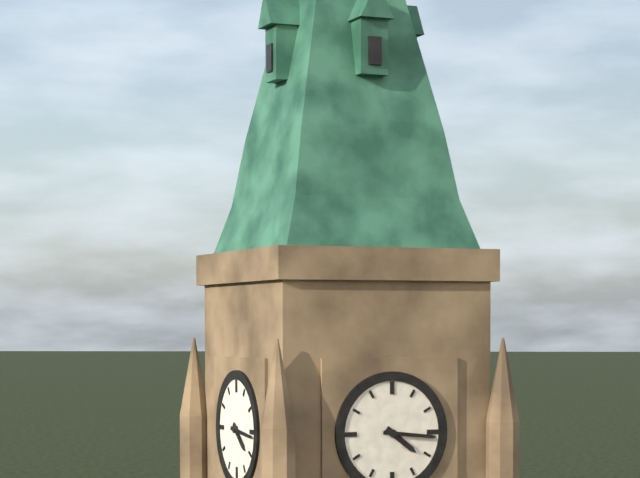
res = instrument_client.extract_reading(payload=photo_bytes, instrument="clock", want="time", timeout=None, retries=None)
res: 4:16
